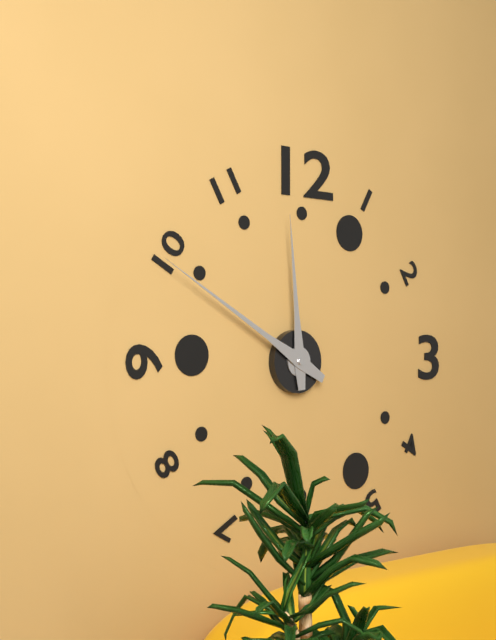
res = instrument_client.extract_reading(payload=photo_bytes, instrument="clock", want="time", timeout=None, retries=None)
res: 11:50
